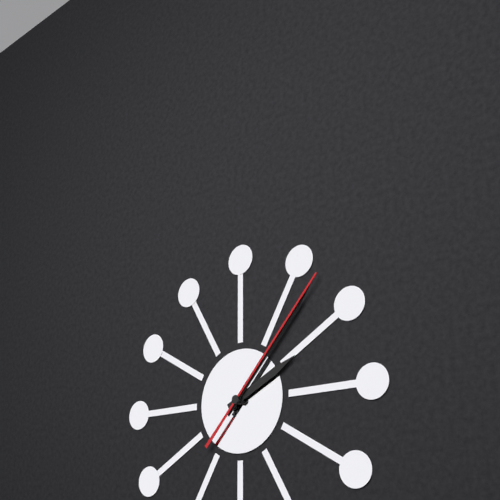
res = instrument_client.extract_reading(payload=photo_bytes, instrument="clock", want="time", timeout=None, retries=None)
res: 2:07:07
